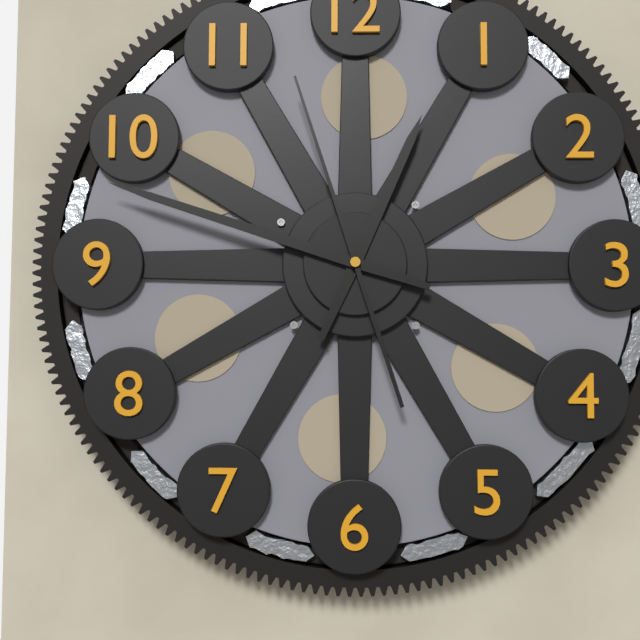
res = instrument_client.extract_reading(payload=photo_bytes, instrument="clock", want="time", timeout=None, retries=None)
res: 12:48:57
